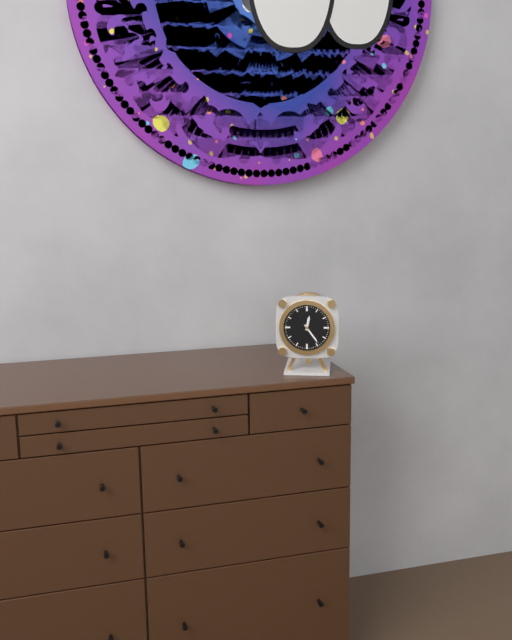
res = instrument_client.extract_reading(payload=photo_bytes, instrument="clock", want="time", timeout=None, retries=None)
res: 12:24
